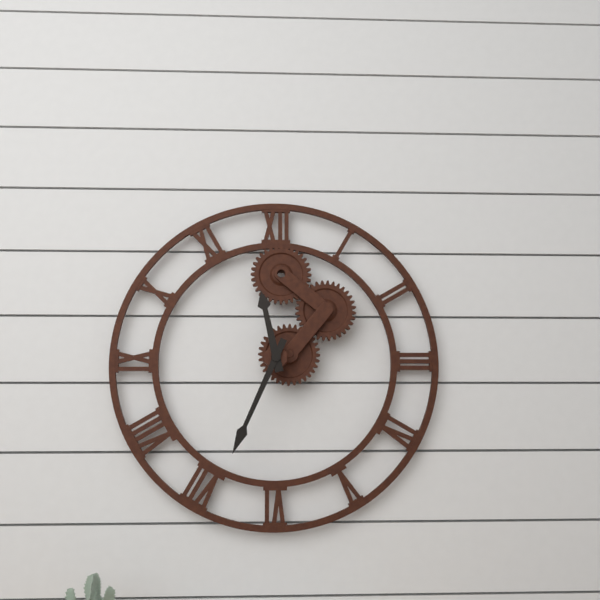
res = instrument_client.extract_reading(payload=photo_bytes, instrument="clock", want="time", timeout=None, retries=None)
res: 11:34
